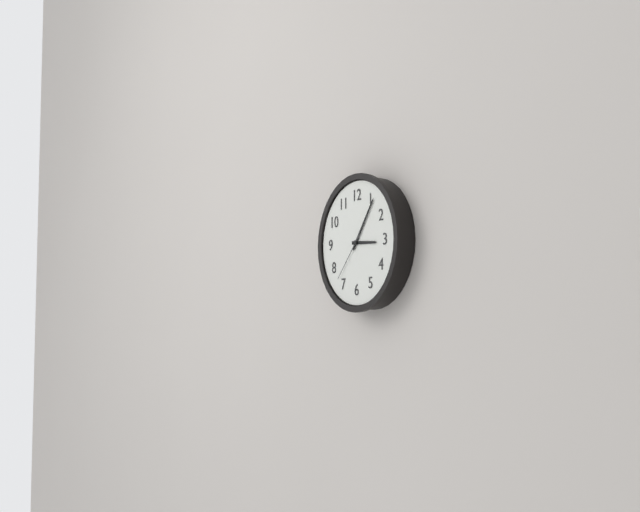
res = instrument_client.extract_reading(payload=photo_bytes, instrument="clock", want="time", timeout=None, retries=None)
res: 3:06:37
